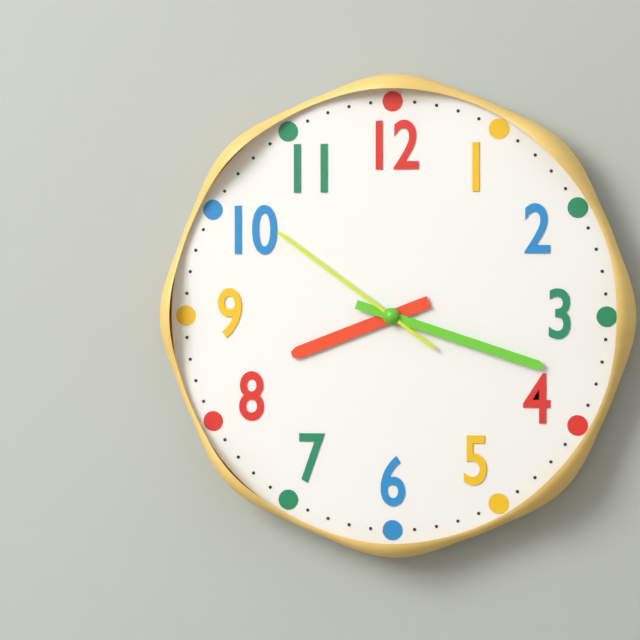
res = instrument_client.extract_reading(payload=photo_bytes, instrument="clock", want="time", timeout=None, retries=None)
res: 8:18:51
